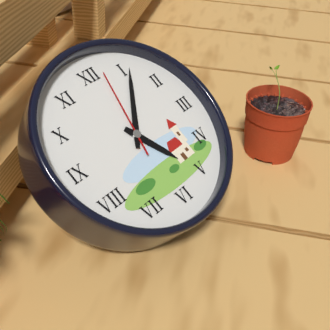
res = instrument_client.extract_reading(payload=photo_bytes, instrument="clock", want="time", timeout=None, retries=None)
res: 5:06:02
